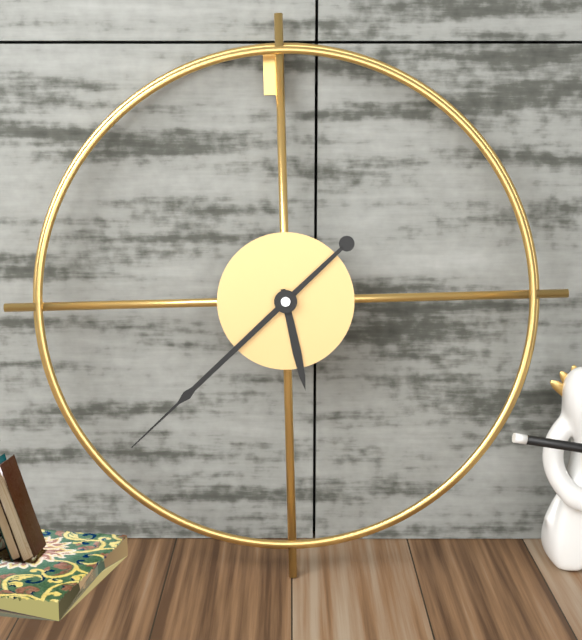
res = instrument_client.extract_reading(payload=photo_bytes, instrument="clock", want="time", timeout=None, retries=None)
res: 5:38
